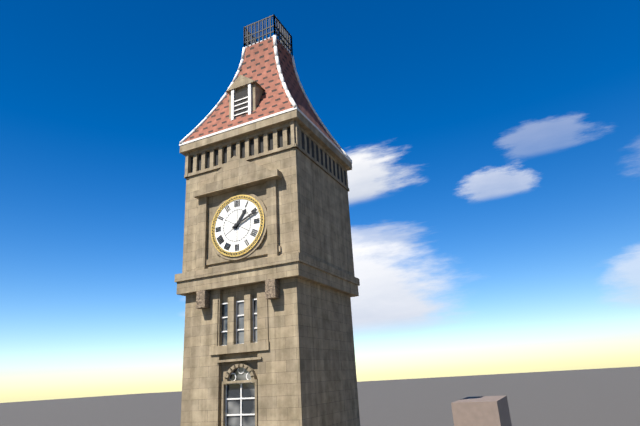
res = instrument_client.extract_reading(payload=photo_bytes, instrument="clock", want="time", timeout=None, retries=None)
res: 1:11
